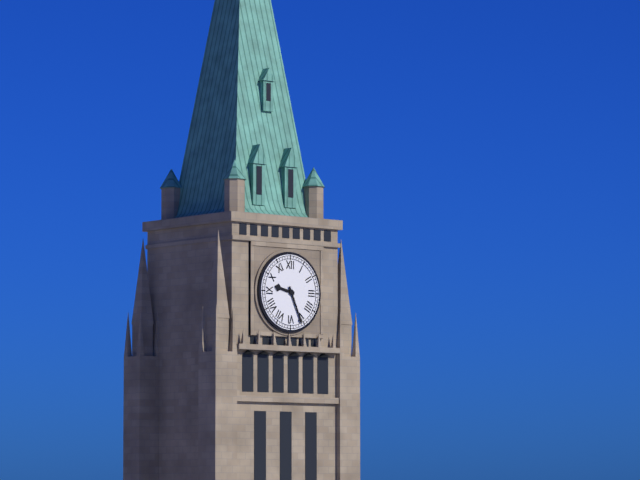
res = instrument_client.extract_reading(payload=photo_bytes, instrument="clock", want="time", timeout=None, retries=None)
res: 9:26
